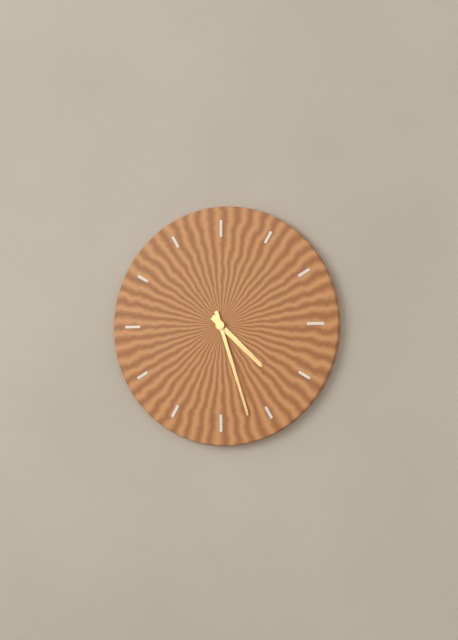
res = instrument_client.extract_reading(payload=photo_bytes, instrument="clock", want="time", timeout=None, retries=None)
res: 4:27
